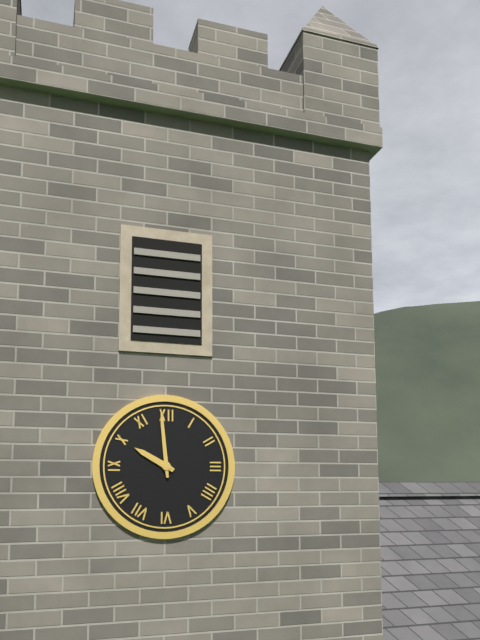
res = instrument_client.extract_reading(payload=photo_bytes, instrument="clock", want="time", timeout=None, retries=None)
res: 9:59
